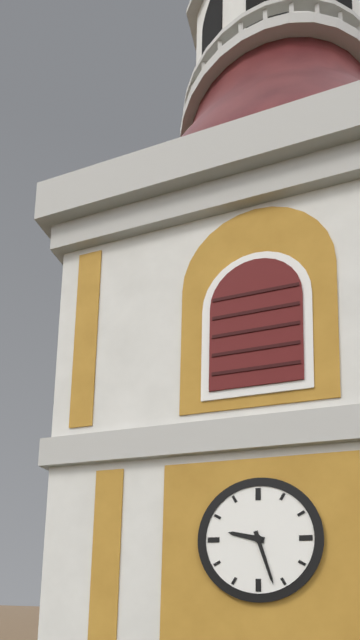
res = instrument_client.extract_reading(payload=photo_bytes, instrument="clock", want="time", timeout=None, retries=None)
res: 9:27
